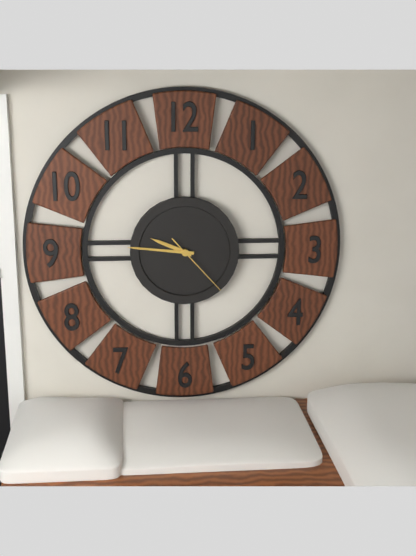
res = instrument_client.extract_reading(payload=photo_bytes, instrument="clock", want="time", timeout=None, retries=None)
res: 9:46:23
